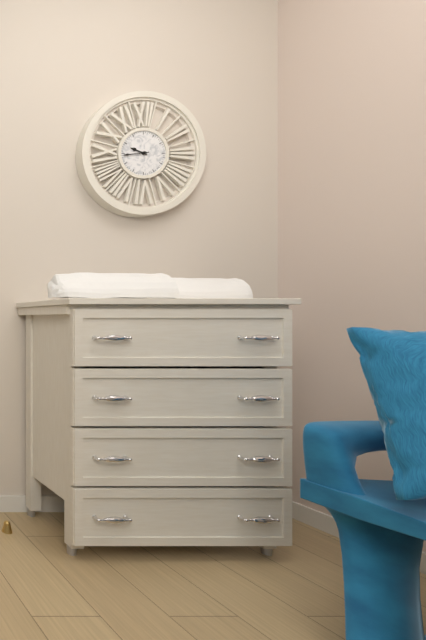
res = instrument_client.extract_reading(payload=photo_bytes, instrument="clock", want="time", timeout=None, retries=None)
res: 9:44
